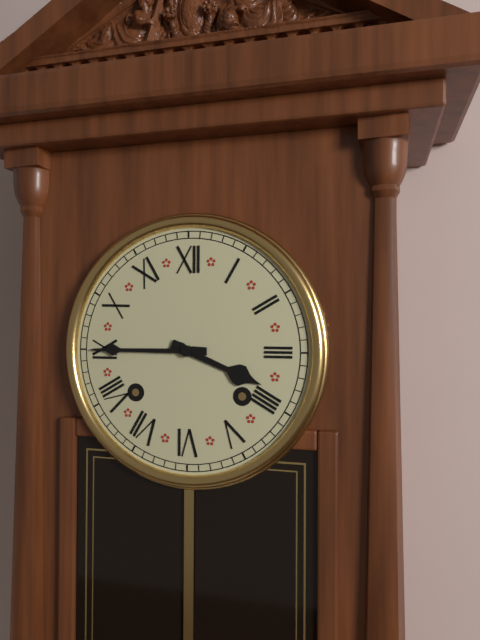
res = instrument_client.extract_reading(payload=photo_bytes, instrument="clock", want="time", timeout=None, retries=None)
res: 3:45
